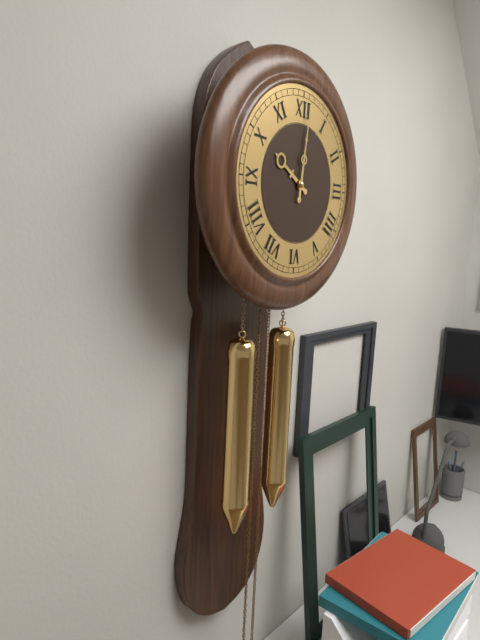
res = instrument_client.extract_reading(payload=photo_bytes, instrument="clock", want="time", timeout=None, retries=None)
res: 10:01
